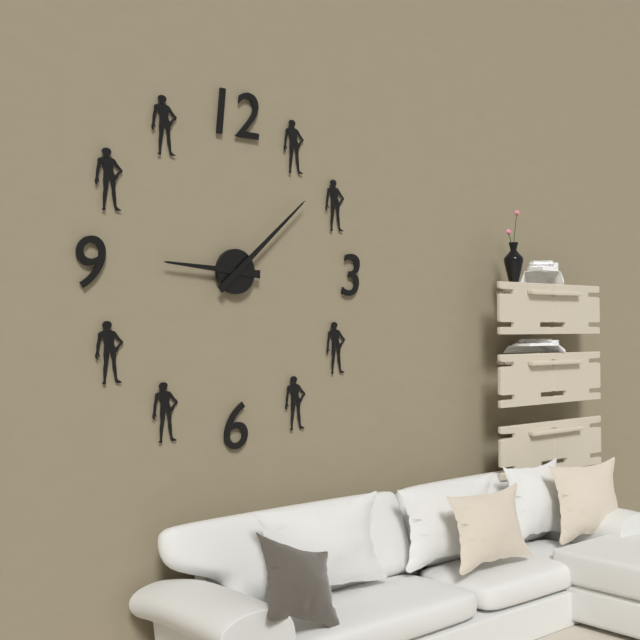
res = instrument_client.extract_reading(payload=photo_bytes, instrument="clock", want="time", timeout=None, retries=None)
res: 9:08
